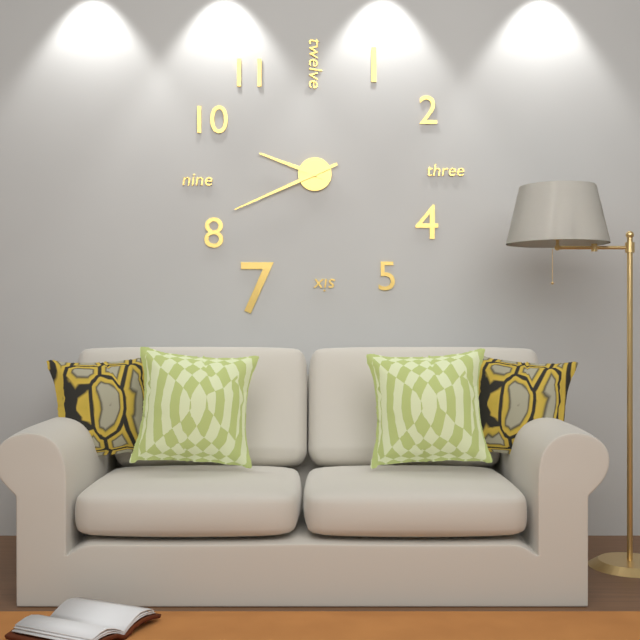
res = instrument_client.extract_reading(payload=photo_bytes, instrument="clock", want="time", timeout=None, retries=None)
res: 9:41
